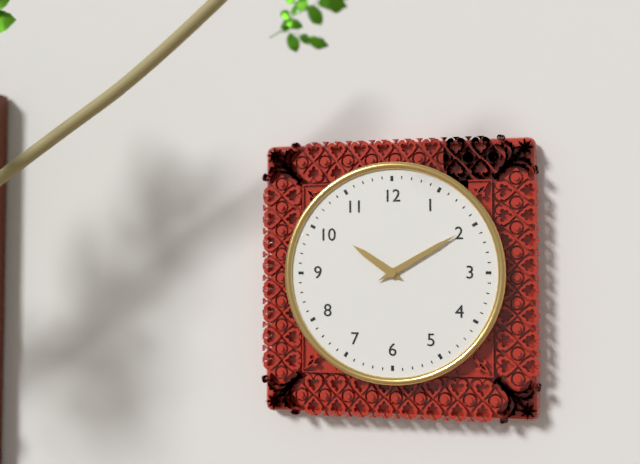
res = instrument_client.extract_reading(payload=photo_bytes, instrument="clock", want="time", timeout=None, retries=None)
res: 10:10
